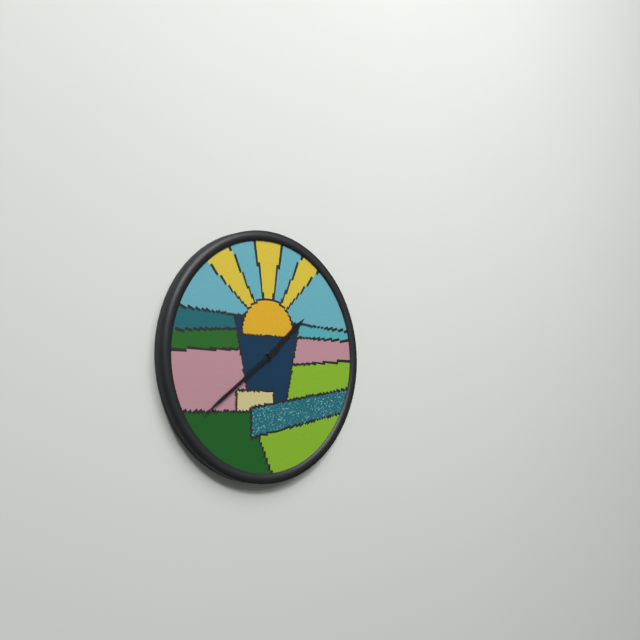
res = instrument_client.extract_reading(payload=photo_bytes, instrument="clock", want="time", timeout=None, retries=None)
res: 1:39
